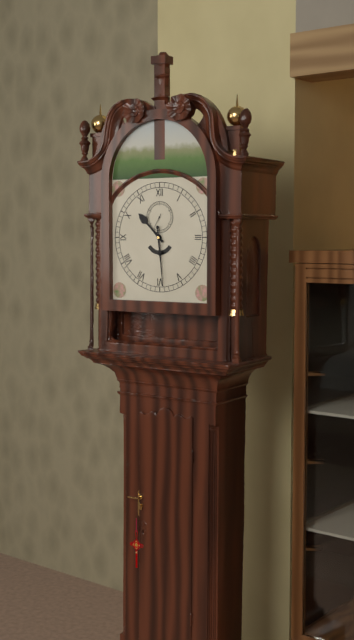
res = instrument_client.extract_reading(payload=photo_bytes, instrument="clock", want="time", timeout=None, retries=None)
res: 10:29
